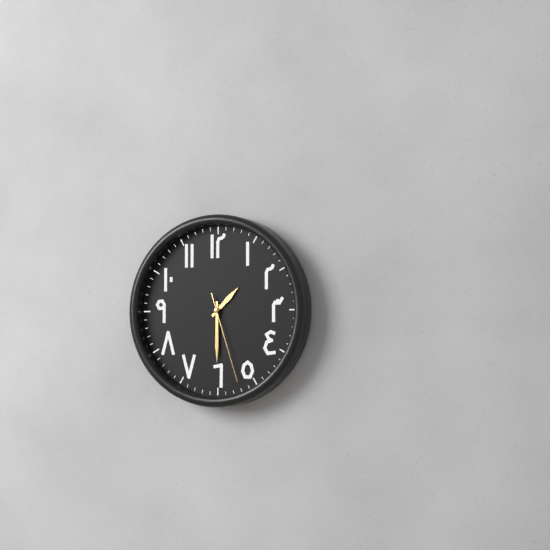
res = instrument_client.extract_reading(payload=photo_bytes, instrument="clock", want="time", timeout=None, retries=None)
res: 1:30:27
